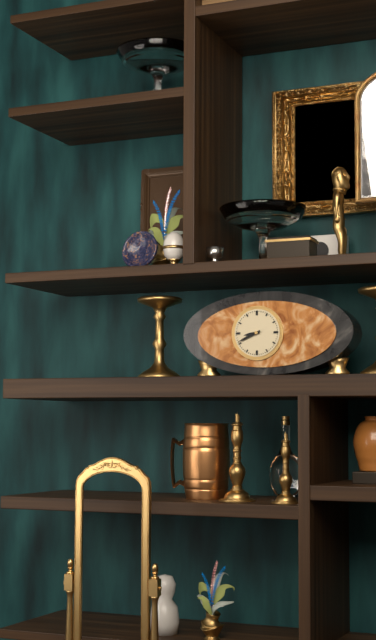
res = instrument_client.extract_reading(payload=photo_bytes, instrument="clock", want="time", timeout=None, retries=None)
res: 8:41
